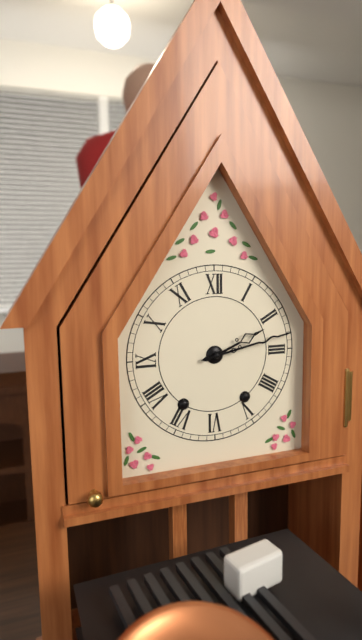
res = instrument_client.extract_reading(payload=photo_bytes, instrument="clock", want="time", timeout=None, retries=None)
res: 2:13
